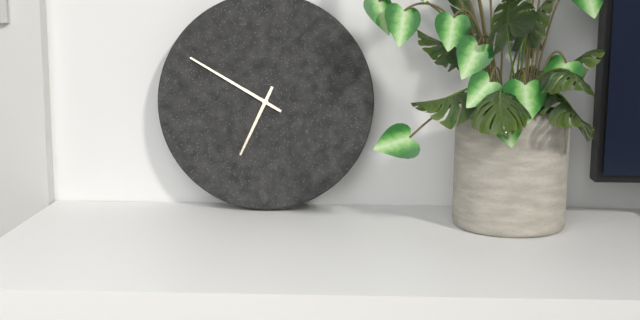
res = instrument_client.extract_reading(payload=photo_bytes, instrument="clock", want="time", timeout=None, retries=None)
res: 6:50
